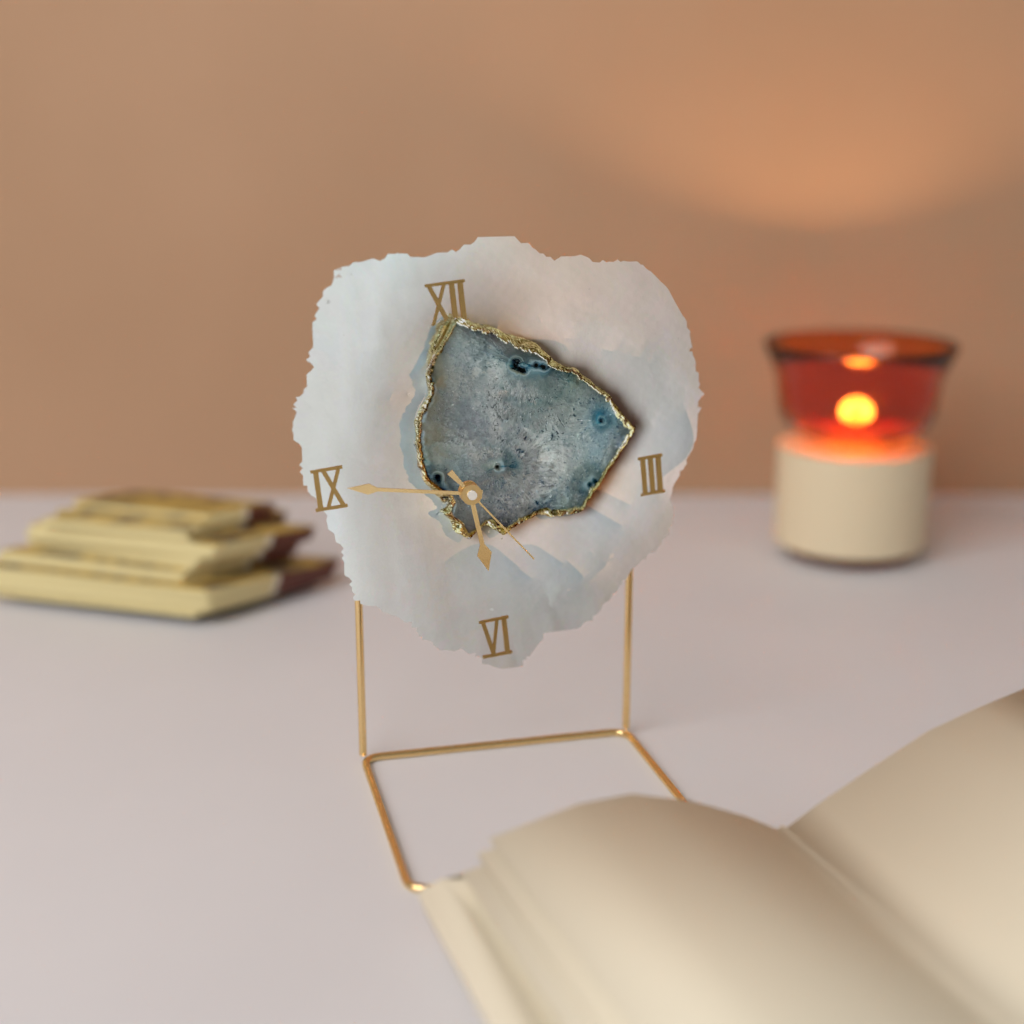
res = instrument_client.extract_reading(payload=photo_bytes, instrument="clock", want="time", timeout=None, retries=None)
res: 5:47:24
